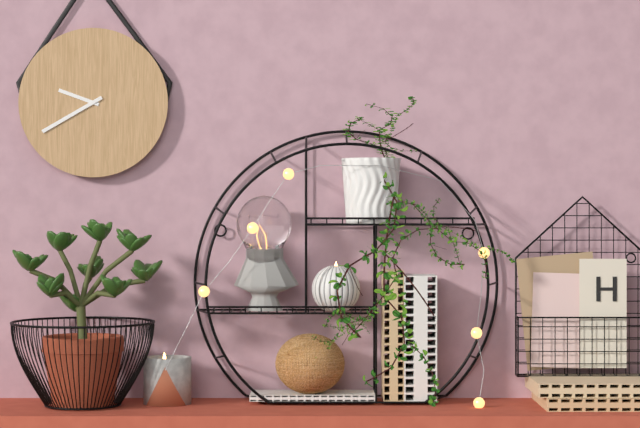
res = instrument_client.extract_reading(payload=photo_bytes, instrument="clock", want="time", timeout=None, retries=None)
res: 9:40
